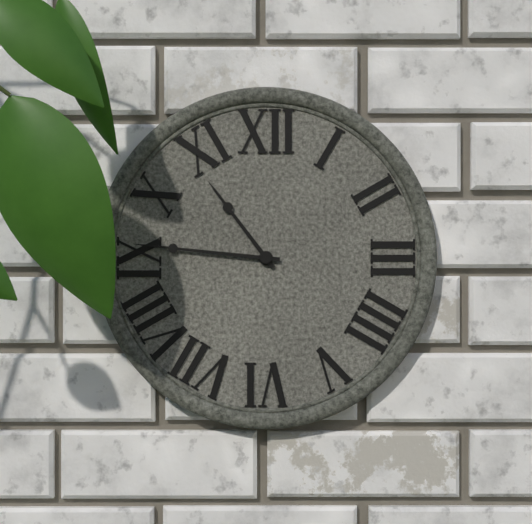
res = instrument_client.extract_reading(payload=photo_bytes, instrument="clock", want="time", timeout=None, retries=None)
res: 10:46
